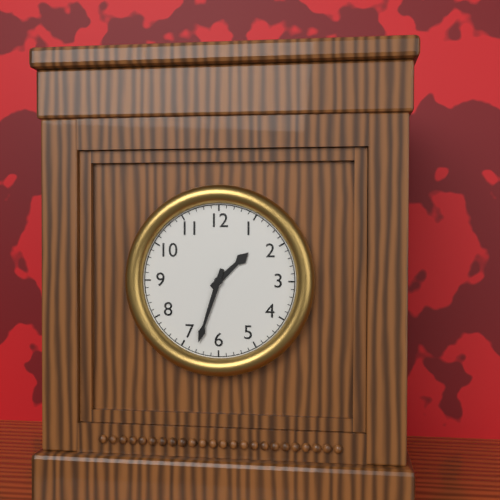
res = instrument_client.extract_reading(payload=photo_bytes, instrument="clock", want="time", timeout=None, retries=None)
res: 1:33
